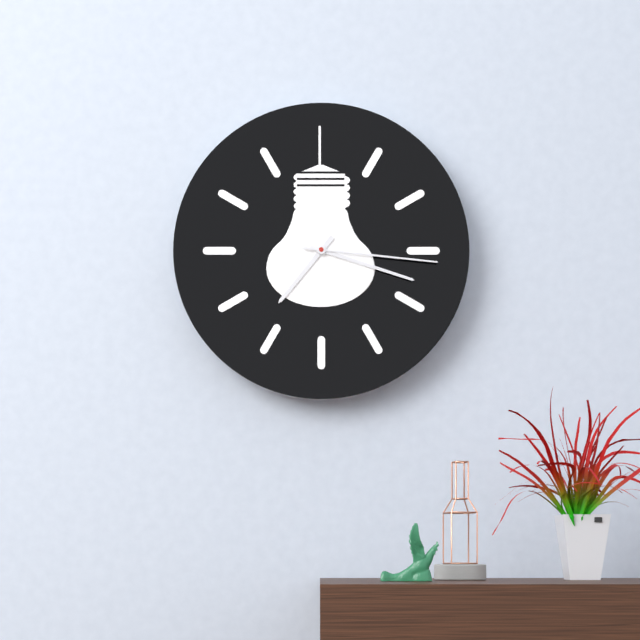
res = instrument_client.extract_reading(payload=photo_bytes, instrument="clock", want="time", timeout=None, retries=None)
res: 7:18:16
